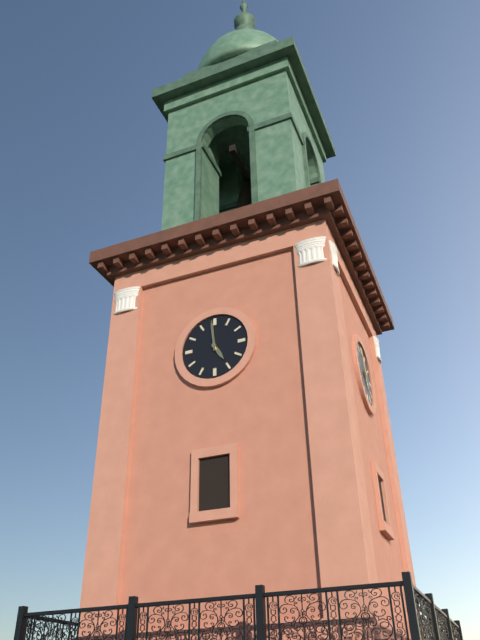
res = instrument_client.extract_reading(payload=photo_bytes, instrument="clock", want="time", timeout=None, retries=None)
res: 4:59
